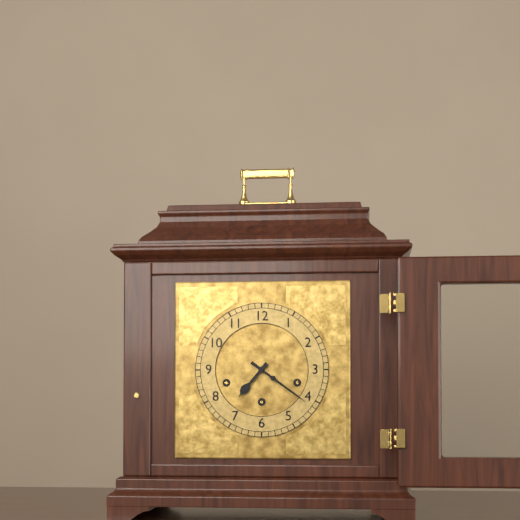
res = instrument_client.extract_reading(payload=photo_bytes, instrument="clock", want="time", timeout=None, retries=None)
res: 7:21
